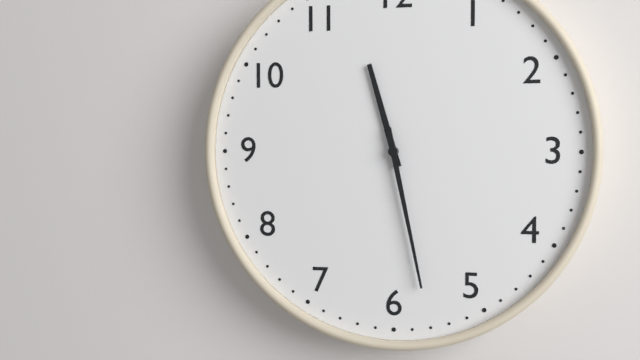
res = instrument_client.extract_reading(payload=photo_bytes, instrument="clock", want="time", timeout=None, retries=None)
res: 11:28
